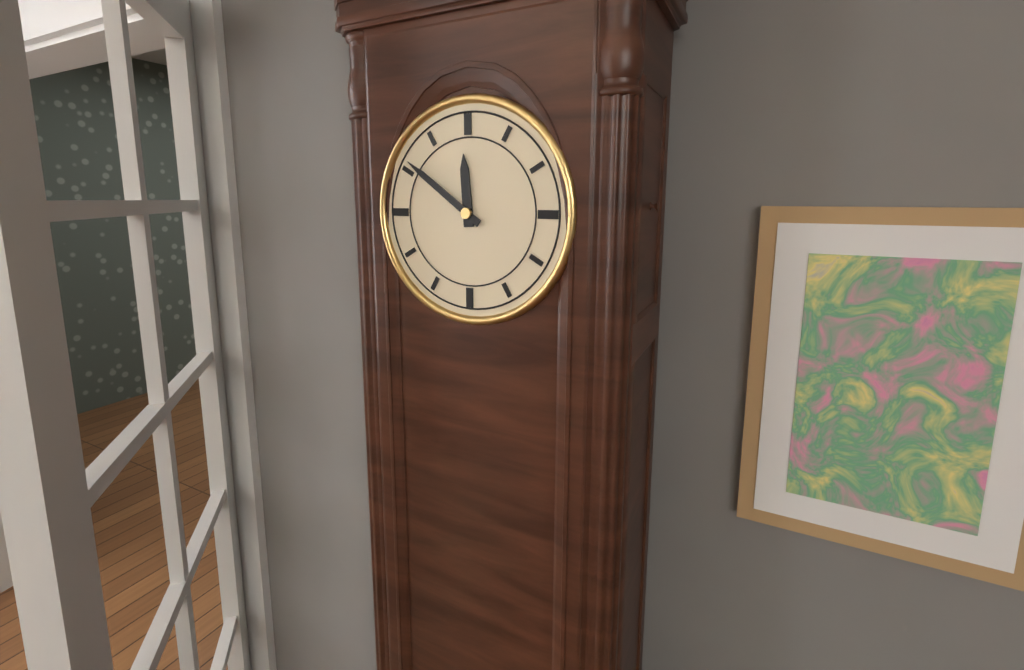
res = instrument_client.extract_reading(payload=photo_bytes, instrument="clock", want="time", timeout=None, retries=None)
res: 11:51
